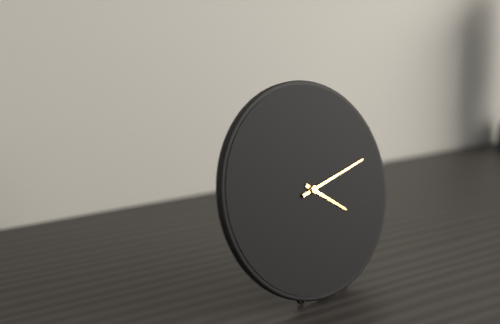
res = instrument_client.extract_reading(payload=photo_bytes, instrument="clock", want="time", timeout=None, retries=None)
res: 4:13
